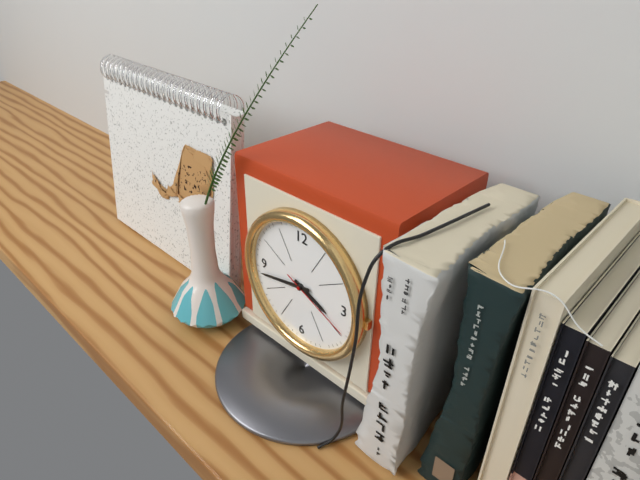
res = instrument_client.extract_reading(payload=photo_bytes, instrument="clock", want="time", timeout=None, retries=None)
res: 3:43:19
